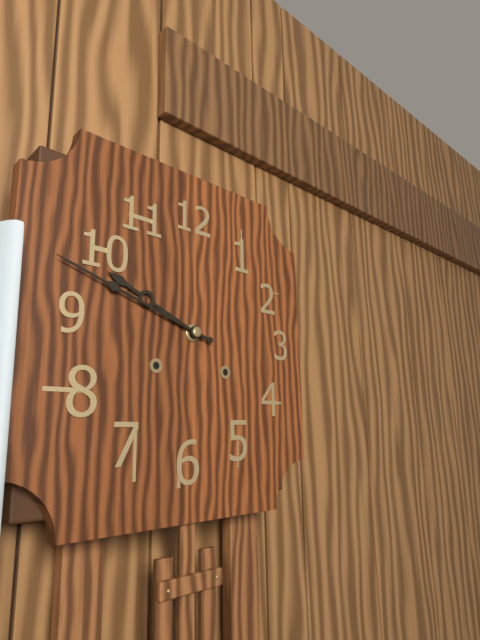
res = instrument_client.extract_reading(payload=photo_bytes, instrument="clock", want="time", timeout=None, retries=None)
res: 9:48
